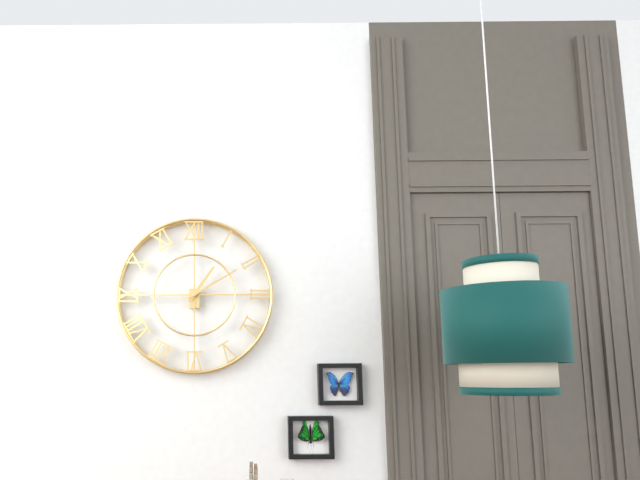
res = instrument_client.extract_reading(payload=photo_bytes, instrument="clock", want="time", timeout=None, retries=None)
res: 1:10
